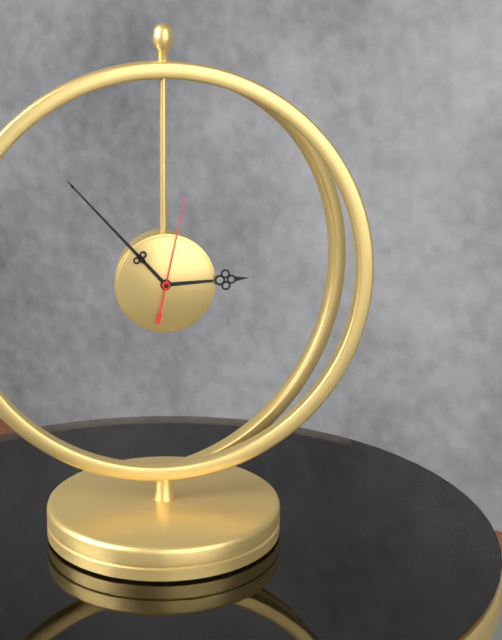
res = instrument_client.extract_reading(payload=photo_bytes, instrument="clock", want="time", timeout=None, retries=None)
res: 2:53:02
